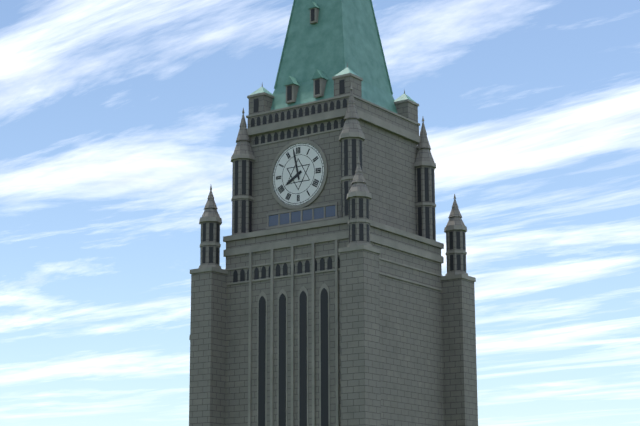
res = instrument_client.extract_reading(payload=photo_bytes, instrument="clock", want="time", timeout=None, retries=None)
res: 7:58
